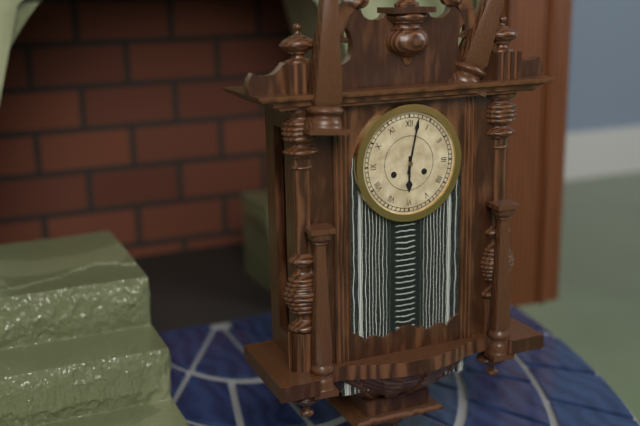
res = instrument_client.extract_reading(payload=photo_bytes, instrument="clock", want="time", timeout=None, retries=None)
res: 6:02
